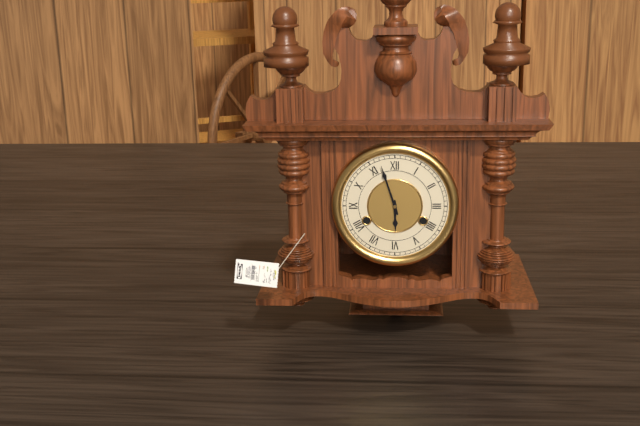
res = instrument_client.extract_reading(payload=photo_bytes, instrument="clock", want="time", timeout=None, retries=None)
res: 5:57
